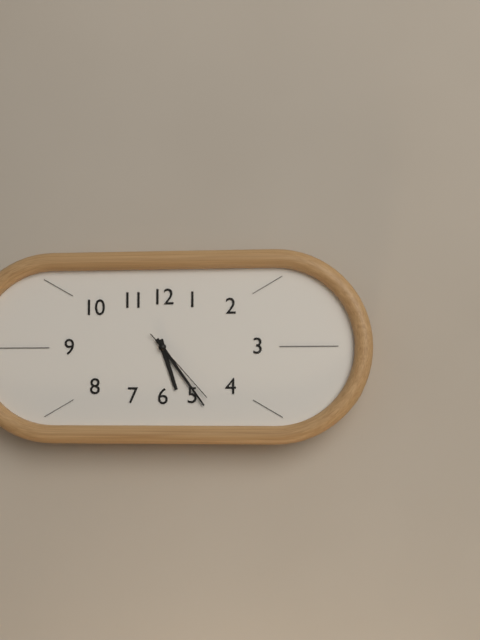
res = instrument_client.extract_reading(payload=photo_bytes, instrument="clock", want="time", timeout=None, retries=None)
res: 5:24:23
